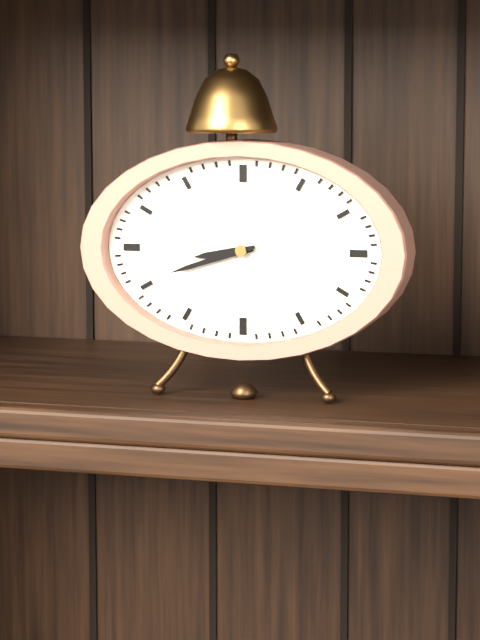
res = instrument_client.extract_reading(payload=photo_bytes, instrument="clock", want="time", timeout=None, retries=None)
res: 8:42
